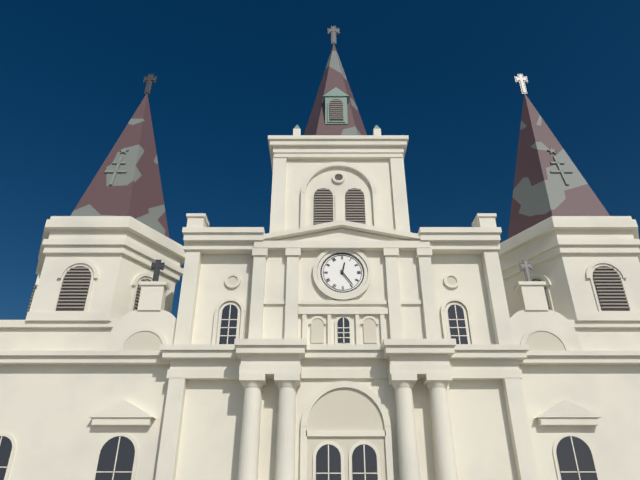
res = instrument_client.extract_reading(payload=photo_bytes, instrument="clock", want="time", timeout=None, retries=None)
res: 12:24
